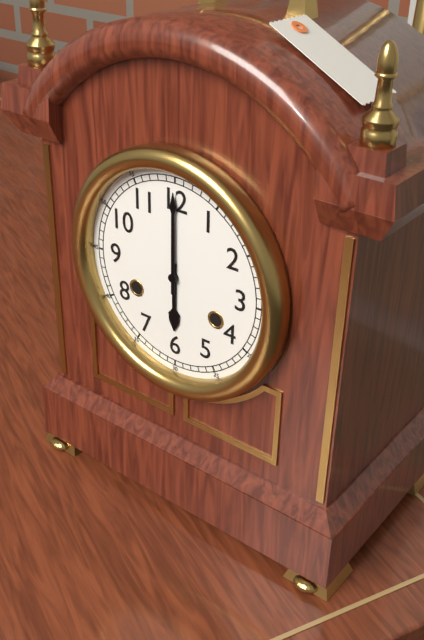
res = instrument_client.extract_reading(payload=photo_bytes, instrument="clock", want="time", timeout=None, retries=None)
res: 6:00
